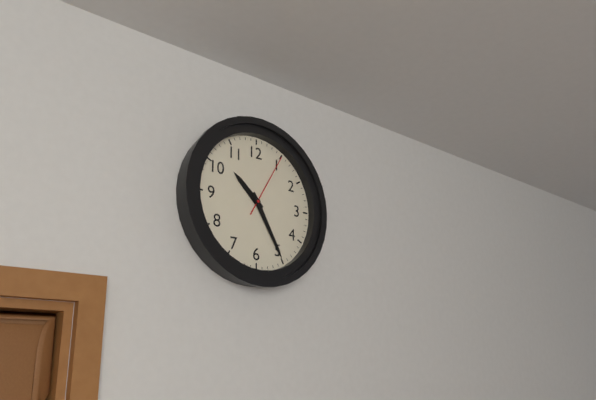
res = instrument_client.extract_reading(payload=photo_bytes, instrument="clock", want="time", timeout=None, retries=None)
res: 10:25:05
